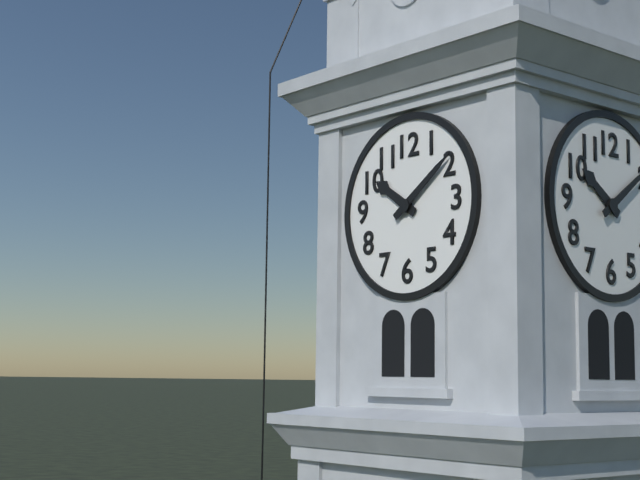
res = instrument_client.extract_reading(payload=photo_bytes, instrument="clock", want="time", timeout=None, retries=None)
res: 10:09
